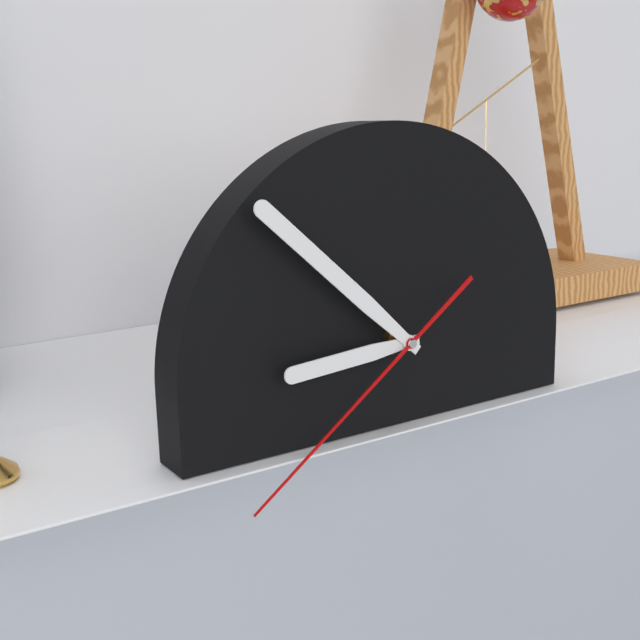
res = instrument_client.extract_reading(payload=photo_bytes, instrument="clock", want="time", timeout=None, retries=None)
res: 8:52:39
